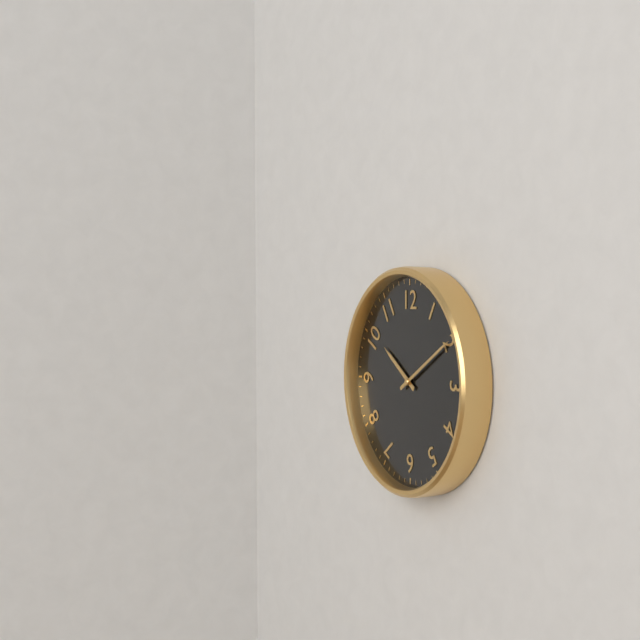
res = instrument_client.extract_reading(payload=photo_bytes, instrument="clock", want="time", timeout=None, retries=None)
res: 10:10
